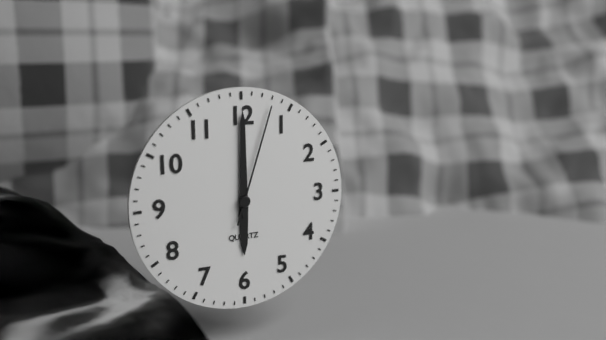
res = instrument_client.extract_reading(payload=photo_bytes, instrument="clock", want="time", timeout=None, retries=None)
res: 6:00:03
